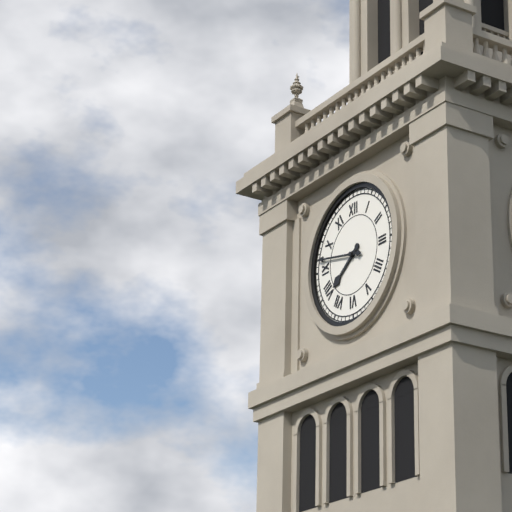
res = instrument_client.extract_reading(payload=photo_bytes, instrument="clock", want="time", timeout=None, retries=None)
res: 7:47
